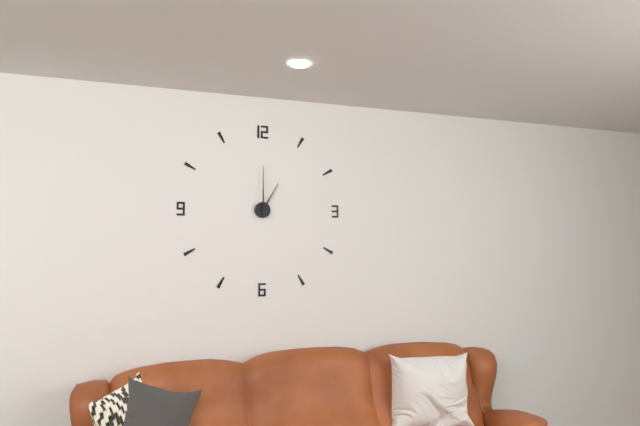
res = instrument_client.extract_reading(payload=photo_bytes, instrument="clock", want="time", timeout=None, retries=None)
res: 1:00
